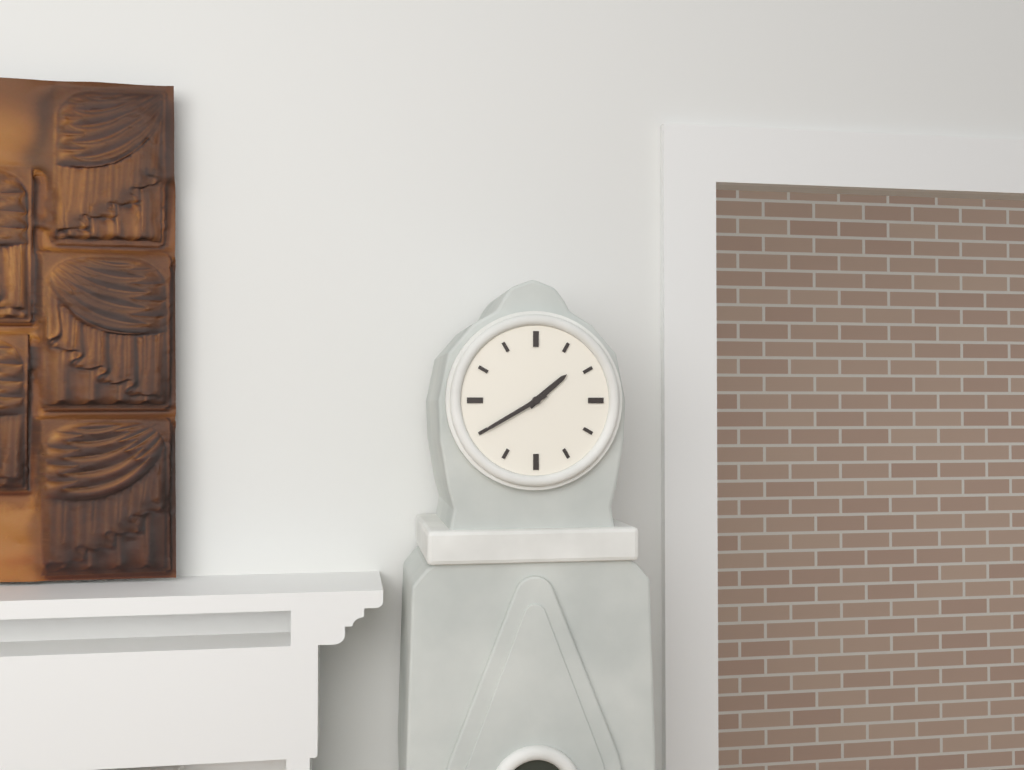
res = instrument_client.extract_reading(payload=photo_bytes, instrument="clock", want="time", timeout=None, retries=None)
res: 1:40
